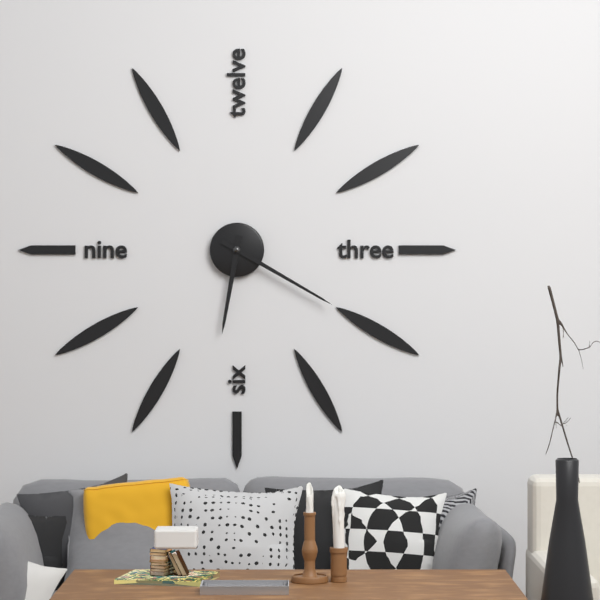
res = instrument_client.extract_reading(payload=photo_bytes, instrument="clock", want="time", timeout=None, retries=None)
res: 6:20
